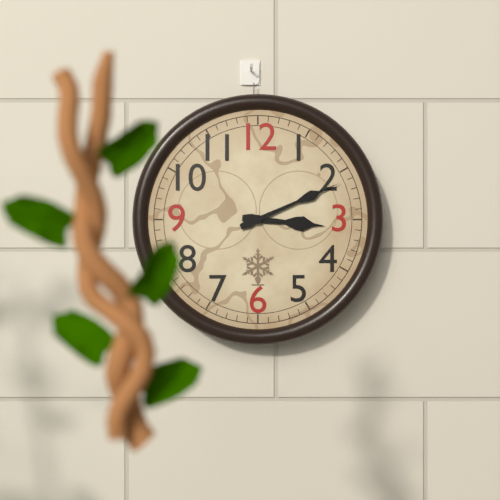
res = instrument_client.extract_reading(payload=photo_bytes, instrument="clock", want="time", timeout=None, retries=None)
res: 3:11
